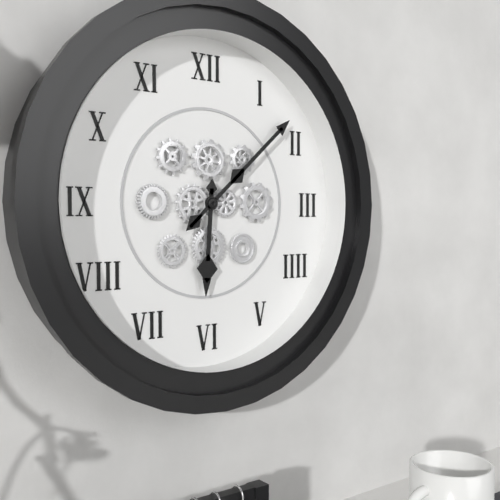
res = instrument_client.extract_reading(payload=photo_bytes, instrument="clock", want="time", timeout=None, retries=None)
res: 6:08
